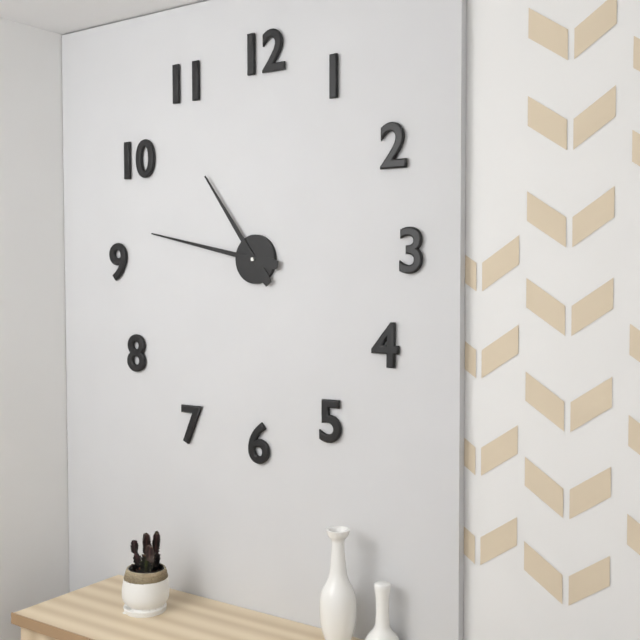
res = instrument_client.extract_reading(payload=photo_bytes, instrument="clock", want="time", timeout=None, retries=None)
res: 10:47
